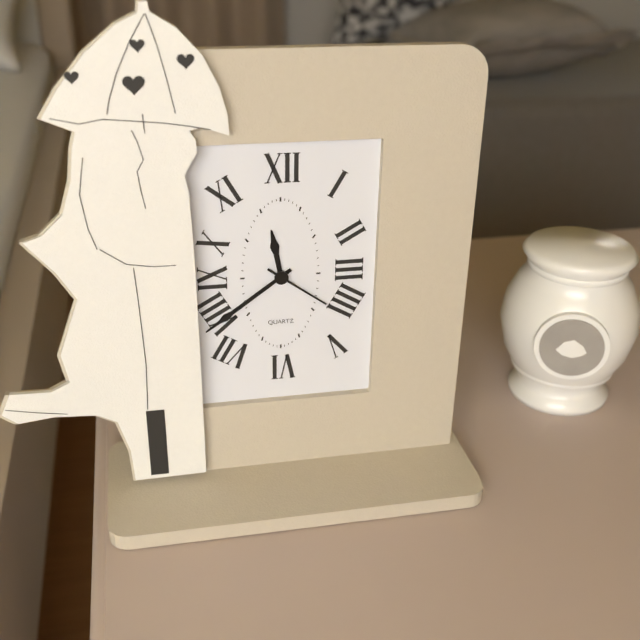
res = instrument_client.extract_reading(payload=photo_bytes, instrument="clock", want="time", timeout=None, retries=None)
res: 11:39:21
